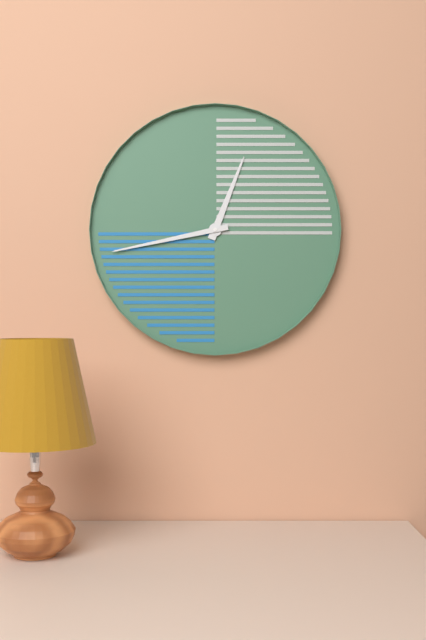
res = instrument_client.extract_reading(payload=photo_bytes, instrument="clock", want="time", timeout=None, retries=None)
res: 12:43
